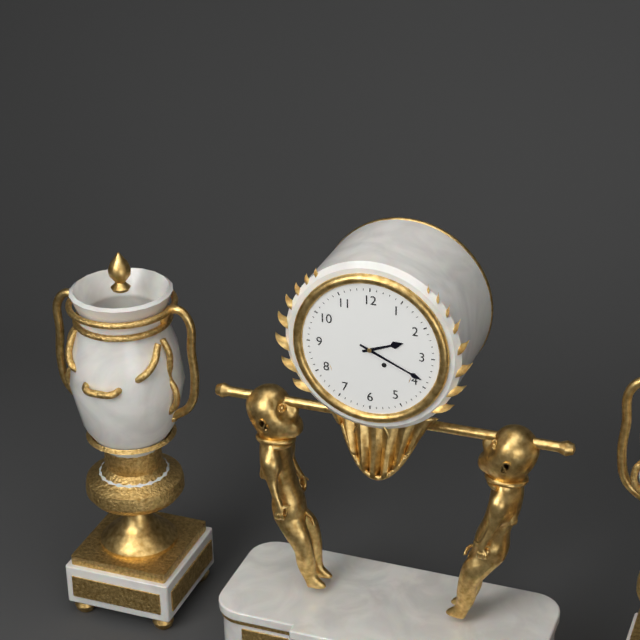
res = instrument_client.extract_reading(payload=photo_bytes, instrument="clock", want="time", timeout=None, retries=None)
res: 2:19
